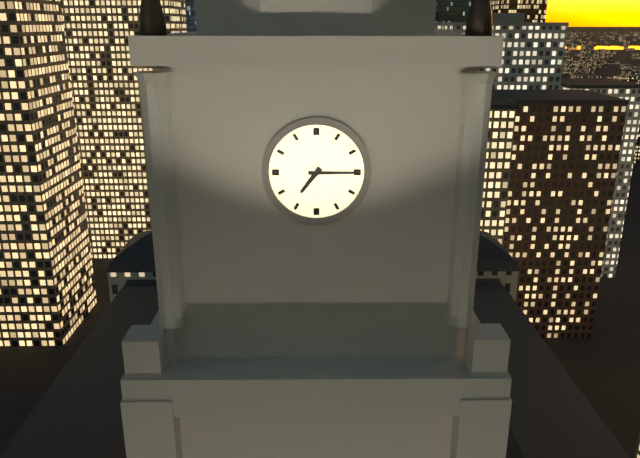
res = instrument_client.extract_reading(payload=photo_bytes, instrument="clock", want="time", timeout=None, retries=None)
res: 7:15
